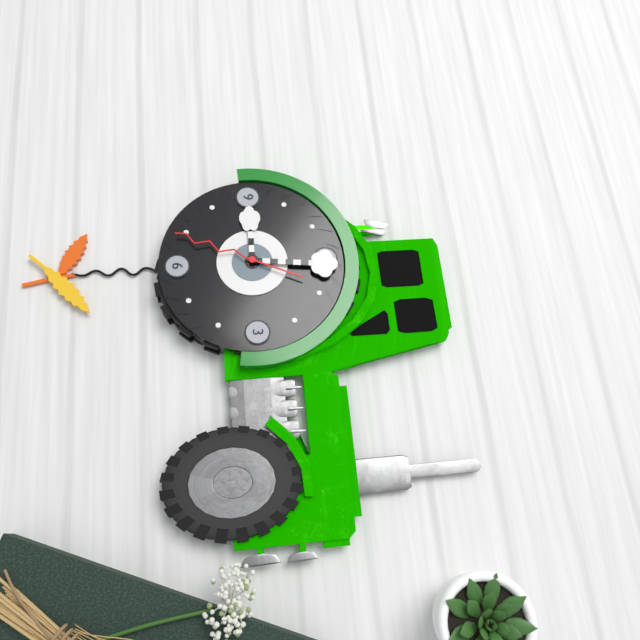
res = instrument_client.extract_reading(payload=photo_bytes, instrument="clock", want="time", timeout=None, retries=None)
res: 9:01:34
